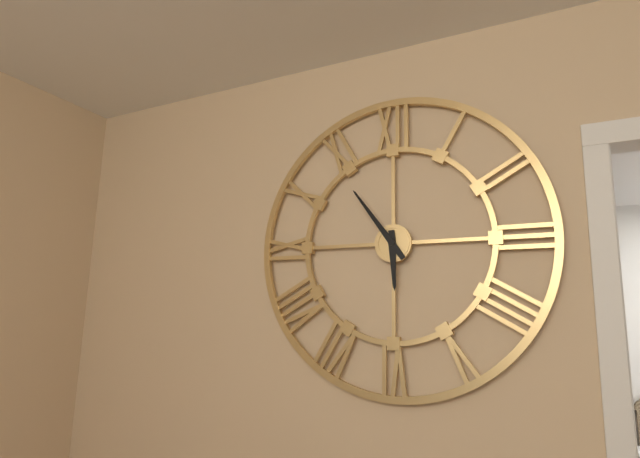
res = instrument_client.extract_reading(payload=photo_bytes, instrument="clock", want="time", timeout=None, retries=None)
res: 5:54
